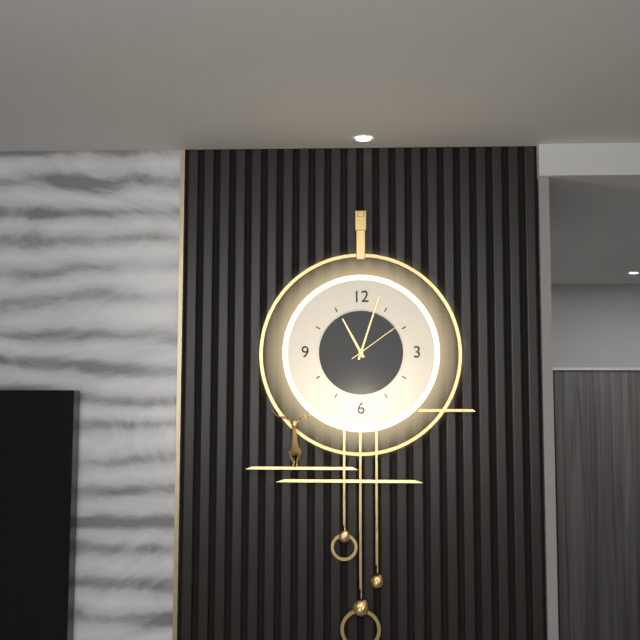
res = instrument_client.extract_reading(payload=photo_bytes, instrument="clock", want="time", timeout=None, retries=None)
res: 11:03:09
